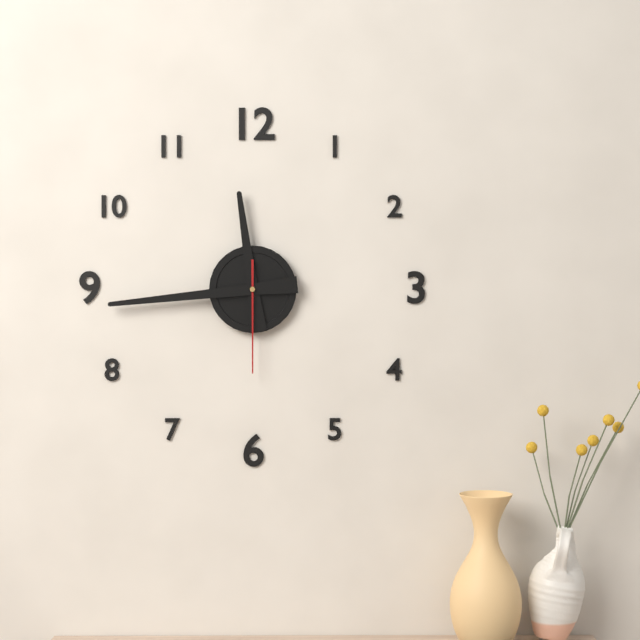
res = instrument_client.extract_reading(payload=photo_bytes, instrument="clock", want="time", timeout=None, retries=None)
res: 11:44:30
